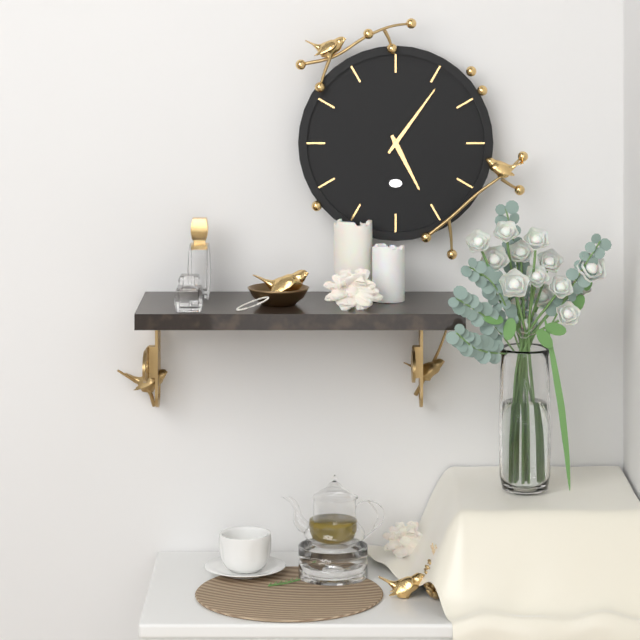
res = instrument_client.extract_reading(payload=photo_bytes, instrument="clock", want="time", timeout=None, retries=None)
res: 5:06
